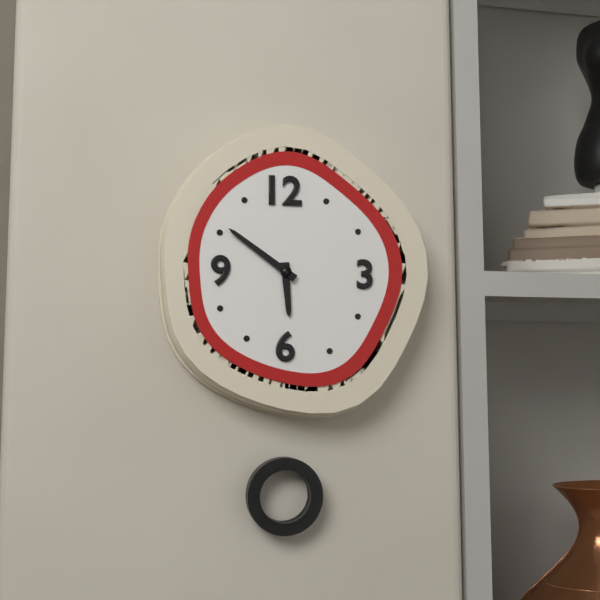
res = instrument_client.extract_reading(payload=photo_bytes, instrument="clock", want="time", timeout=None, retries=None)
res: 5:51
